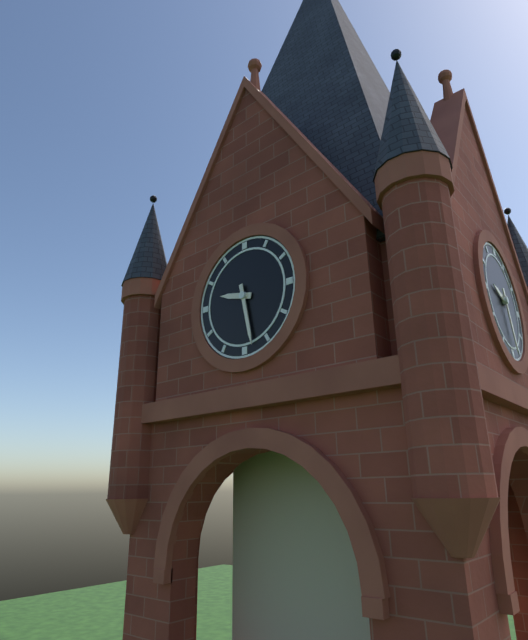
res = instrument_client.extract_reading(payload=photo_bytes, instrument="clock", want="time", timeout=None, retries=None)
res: 9:28
